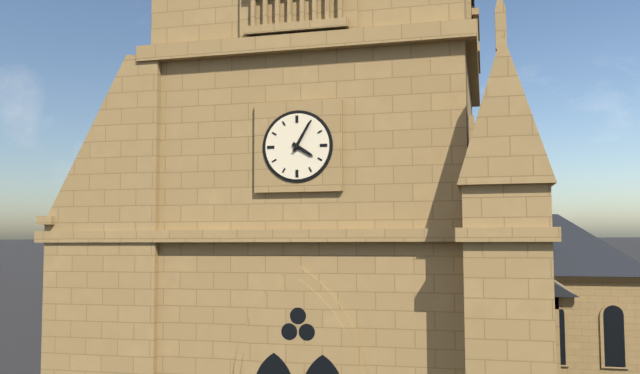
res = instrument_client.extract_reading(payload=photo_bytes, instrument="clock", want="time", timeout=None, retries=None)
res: 4:05
